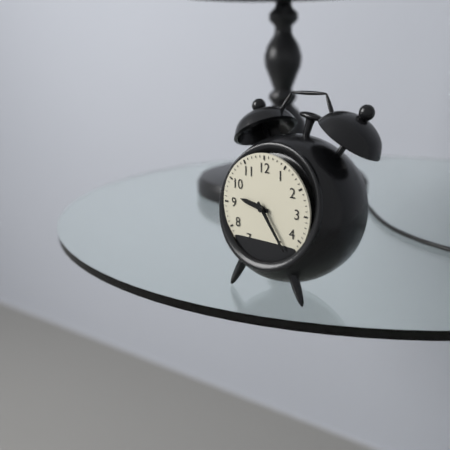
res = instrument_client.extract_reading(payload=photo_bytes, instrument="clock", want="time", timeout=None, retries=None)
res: 9:24
